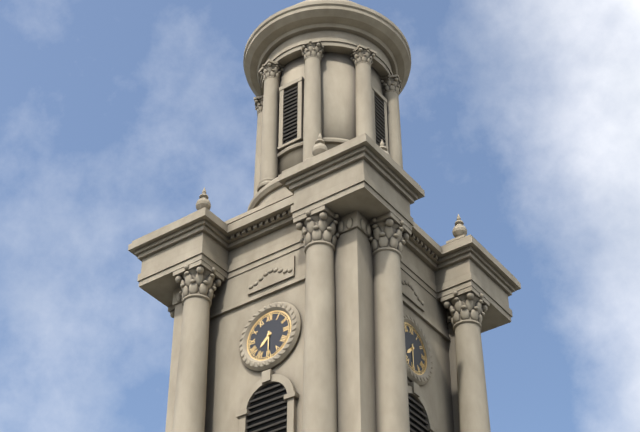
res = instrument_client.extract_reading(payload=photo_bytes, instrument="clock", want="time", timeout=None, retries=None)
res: 7:30
